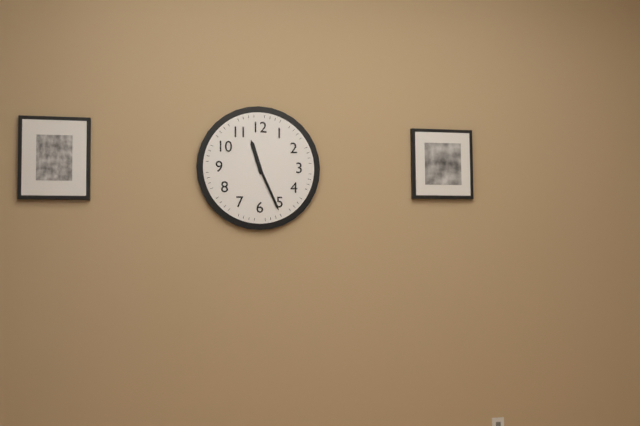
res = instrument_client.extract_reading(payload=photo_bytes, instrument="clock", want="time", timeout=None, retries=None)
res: 11:26
